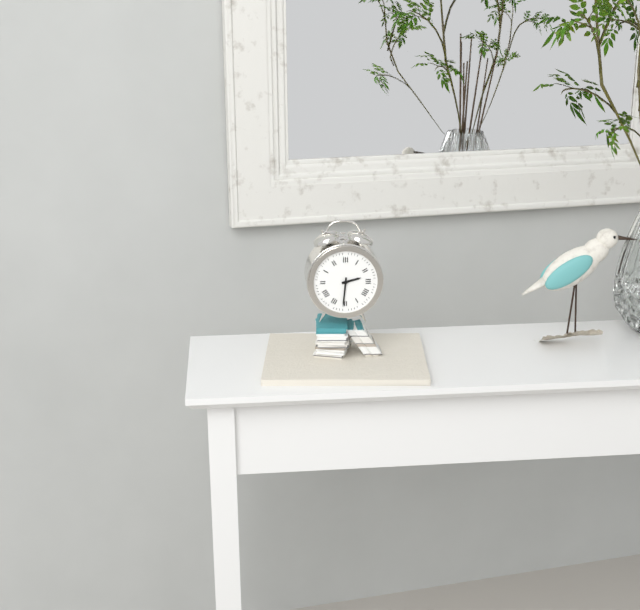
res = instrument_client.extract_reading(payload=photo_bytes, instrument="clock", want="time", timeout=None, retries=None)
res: 2:31
